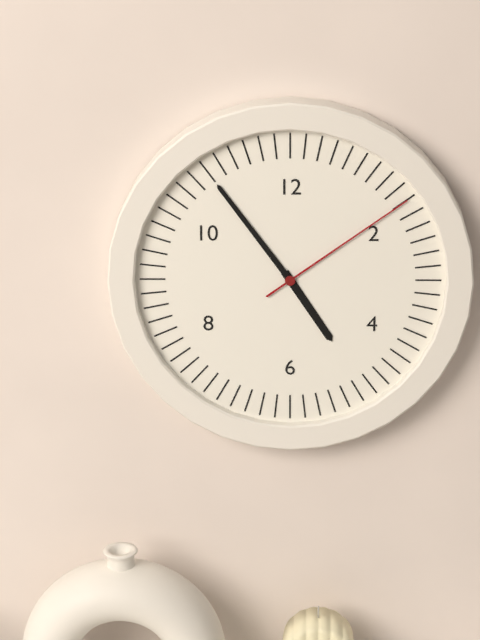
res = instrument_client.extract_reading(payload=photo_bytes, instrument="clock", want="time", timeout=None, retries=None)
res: 4:54:09
